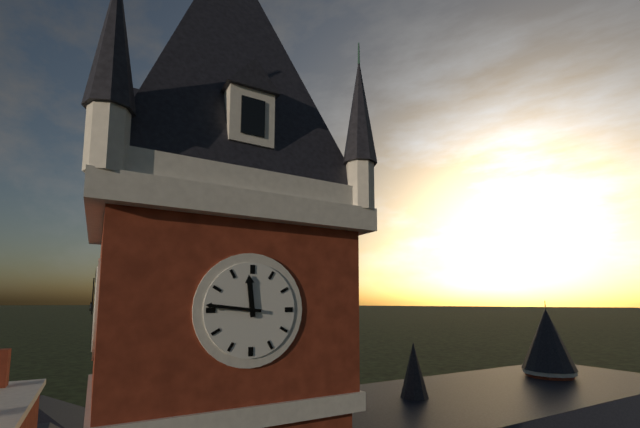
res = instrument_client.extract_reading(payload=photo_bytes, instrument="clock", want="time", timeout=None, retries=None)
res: 11:46
